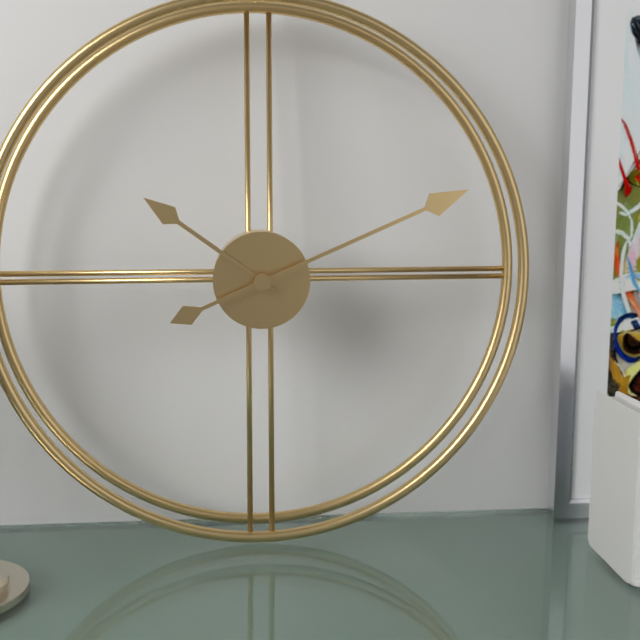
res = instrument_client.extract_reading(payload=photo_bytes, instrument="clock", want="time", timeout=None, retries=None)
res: 10:11
